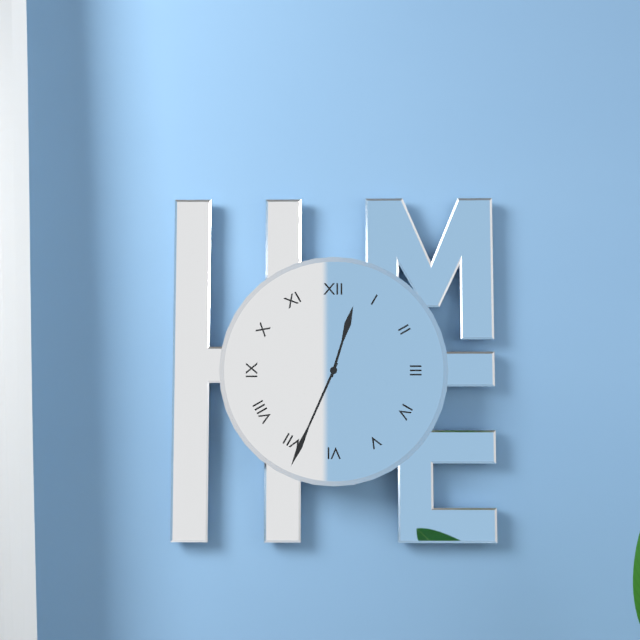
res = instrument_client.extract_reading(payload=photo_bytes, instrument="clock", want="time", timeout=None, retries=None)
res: 12:34
